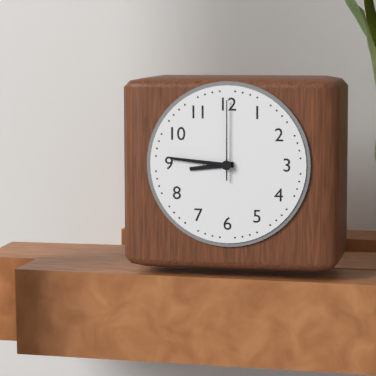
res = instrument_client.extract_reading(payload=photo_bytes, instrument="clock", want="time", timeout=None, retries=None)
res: 8:46:00
